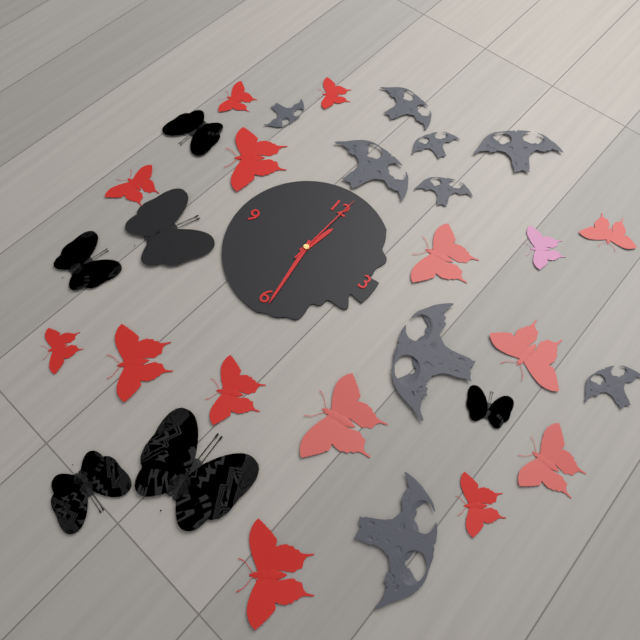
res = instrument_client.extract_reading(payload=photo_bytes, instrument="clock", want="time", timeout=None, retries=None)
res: 12:29:01
